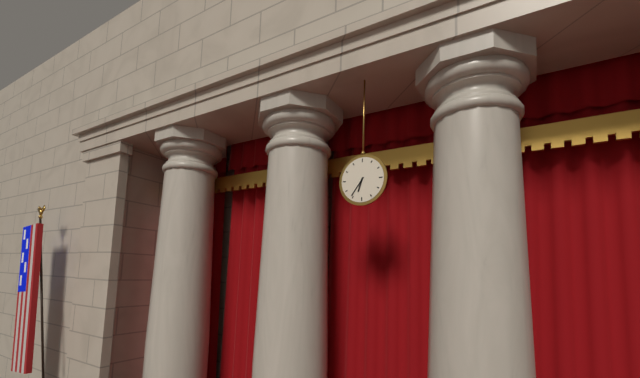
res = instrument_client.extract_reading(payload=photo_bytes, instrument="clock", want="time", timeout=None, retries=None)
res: 6:36
